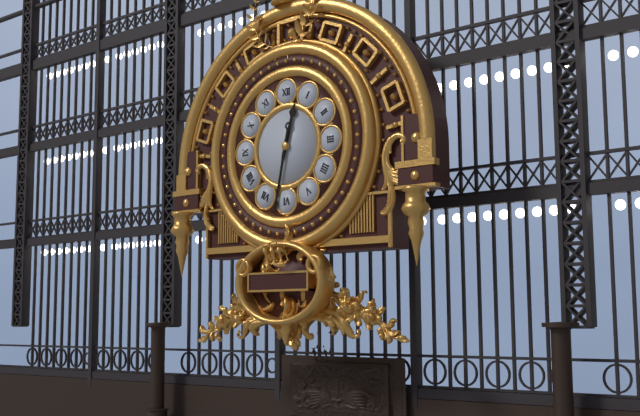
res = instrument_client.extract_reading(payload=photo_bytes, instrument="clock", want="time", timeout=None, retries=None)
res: 12:32
